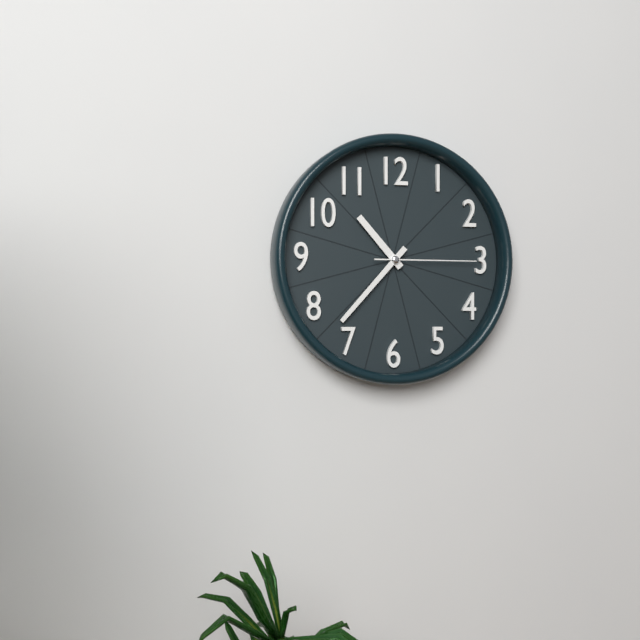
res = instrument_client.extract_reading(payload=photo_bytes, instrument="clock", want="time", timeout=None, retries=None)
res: 10:37:15
